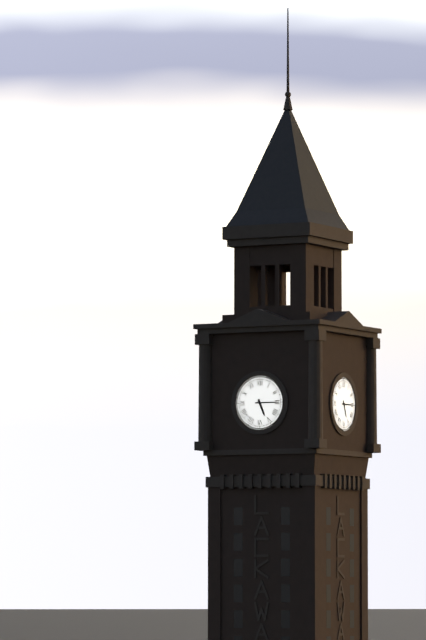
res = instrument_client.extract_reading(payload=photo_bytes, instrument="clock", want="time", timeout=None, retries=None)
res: 5:15
